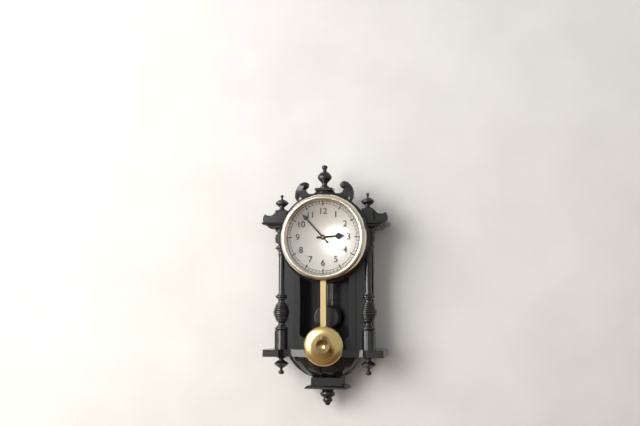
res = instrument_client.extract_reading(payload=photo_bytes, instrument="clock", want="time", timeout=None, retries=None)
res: 2:53
